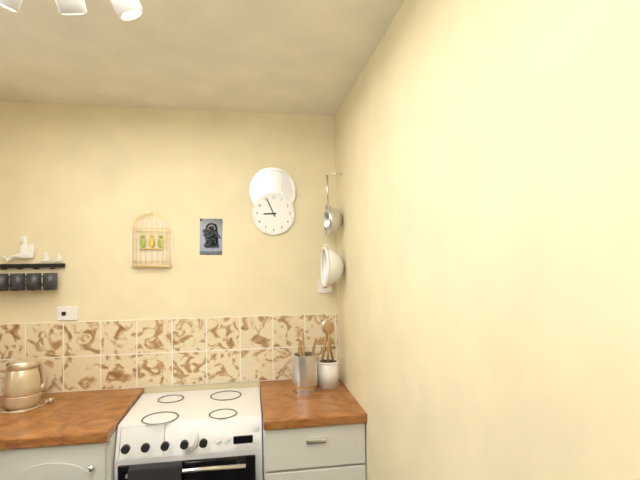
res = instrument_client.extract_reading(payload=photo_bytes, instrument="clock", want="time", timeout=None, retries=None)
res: 8:56
